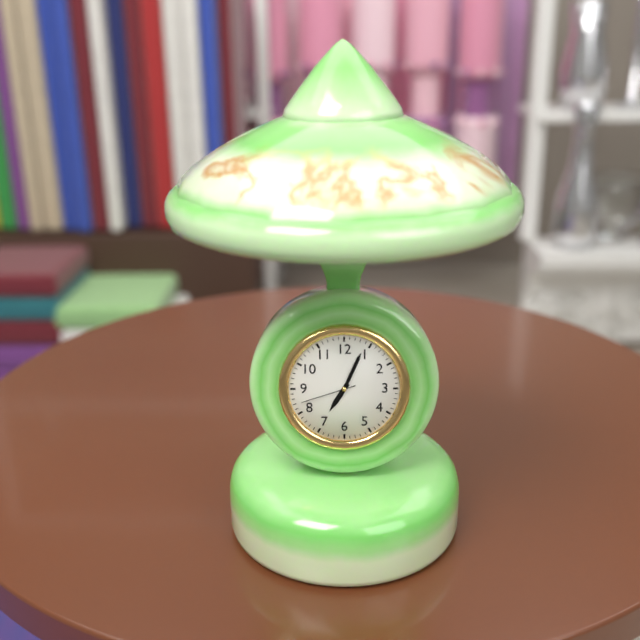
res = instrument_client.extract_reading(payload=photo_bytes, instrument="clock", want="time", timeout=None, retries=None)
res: 7:04:42
